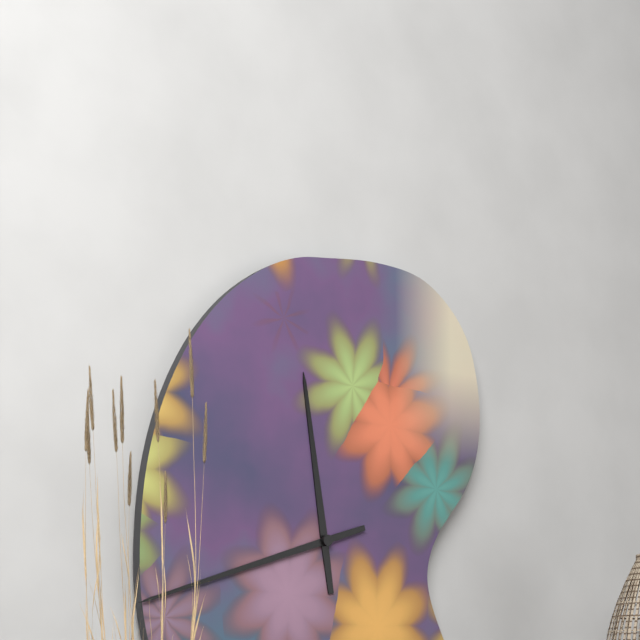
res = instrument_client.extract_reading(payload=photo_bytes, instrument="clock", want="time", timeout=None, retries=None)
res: 11:42
